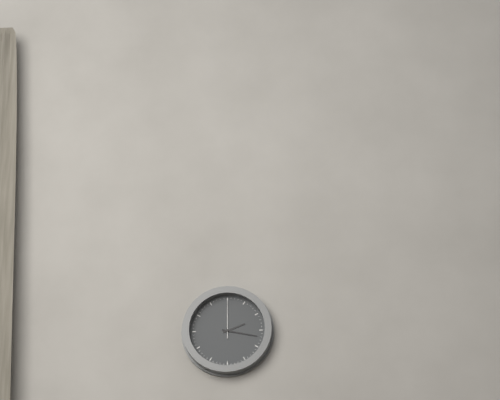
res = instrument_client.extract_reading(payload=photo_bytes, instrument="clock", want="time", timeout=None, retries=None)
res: 2:17
